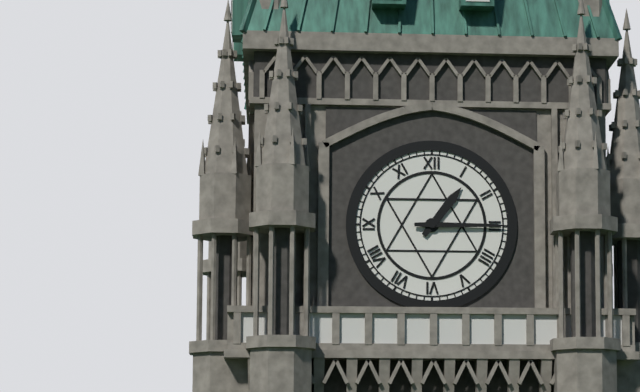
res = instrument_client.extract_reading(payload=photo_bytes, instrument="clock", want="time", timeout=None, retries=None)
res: 1:15
